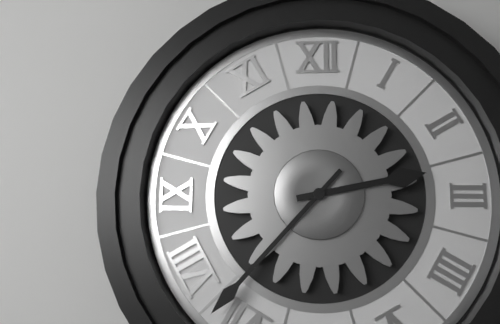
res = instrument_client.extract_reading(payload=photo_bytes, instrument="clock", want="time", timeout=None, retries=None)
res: 2:37
